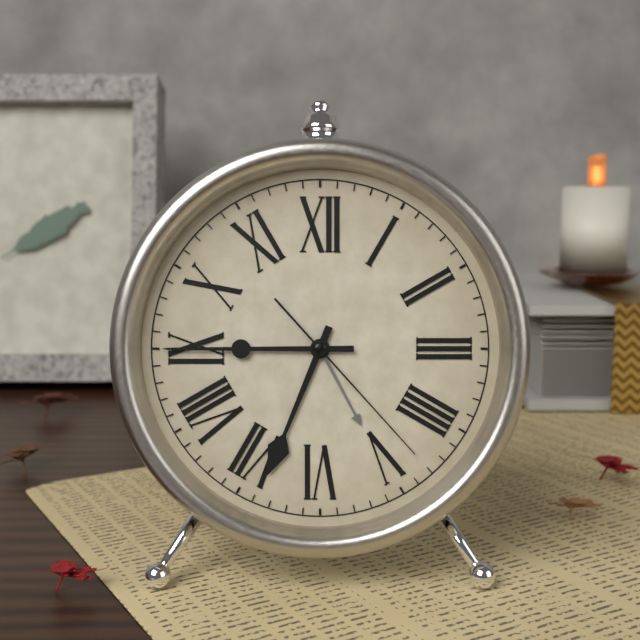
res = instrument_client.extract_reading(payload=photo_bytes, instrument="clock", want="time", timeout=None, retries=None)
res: 6:45:23
